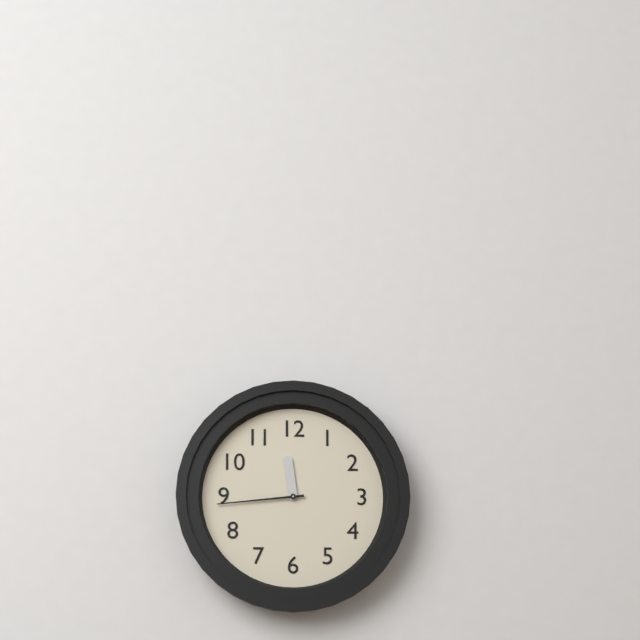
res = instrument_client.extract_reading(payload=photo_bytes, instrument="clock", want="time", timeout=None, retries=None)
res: 11:44
